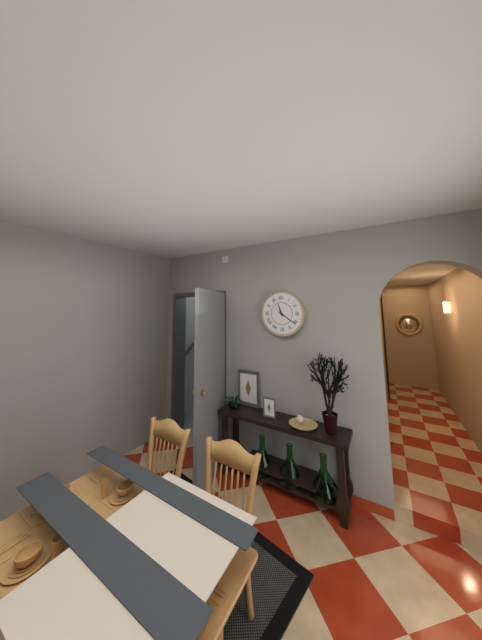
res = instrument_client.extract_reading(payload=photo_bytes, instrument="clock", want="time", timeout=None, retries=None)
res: 11:21
